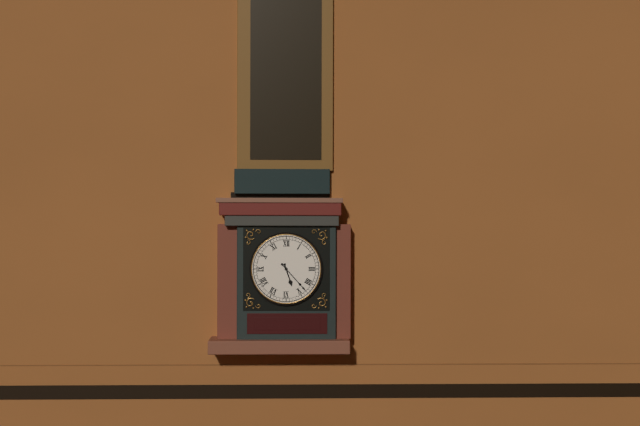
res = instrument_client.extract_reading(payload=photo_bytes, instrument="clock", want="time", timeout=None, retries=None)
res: 5:23
